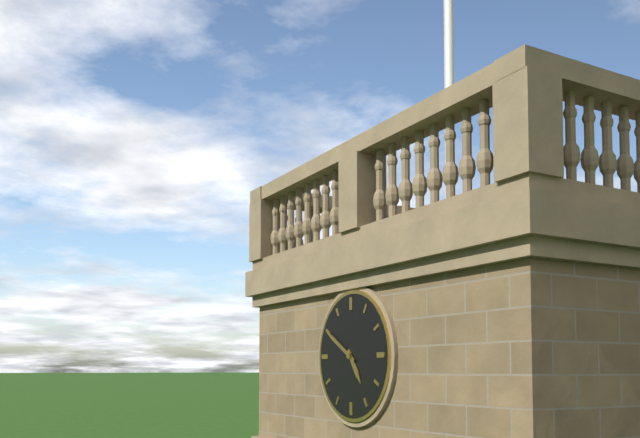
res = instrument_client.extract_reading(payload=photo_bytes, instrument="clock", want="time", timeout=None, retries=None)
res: 4:50
